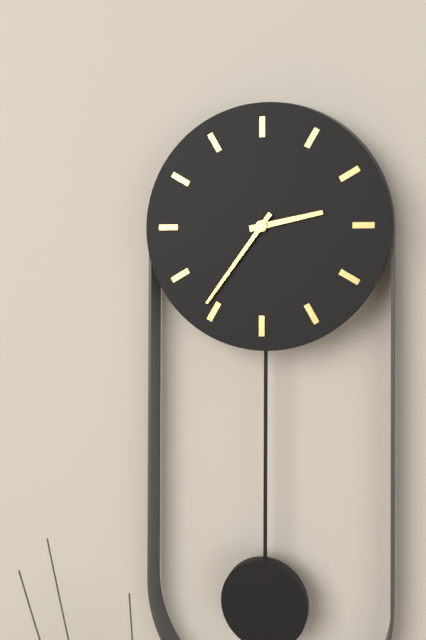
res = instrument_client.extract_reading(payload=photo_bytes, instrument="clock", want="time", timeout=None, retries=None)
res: 2:36
